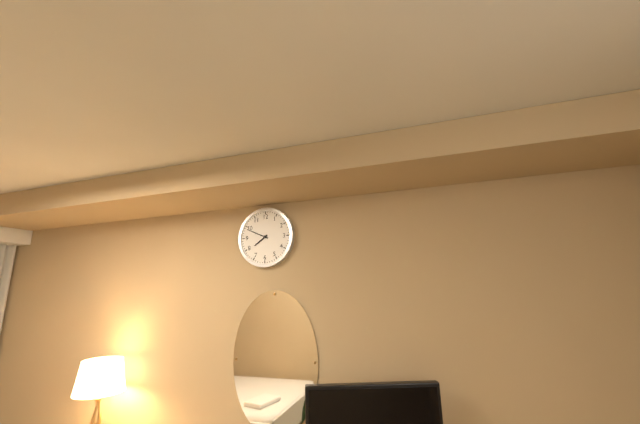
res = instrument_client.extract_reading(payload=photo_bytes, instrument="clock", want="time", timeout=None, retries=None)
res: 7:49
